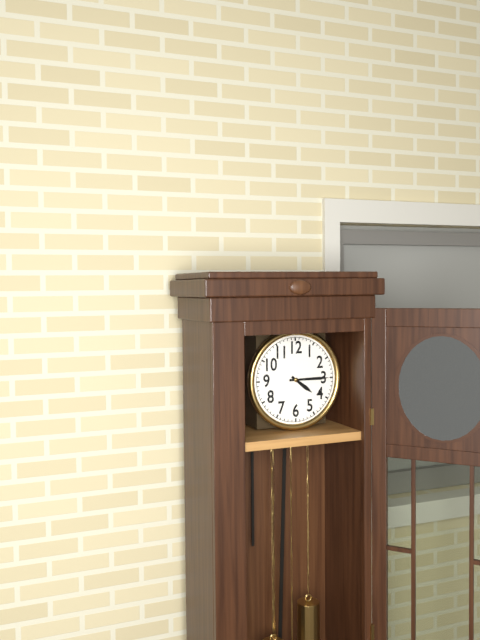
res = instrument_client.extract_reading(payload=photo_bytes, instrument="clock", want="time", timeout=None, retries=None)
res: 4:15
